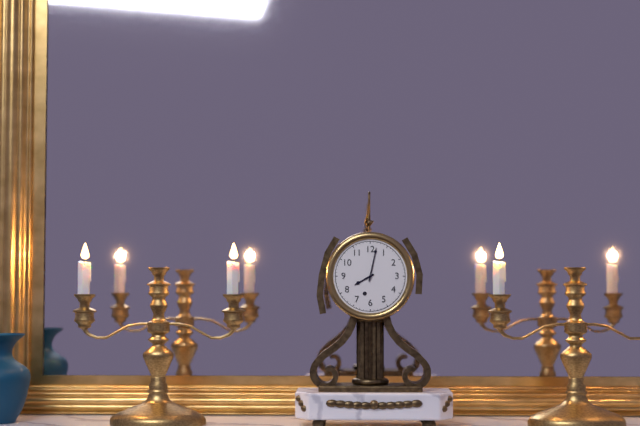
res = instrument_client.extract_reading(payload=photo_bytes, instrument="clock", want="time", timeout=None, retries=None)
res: 8:02
